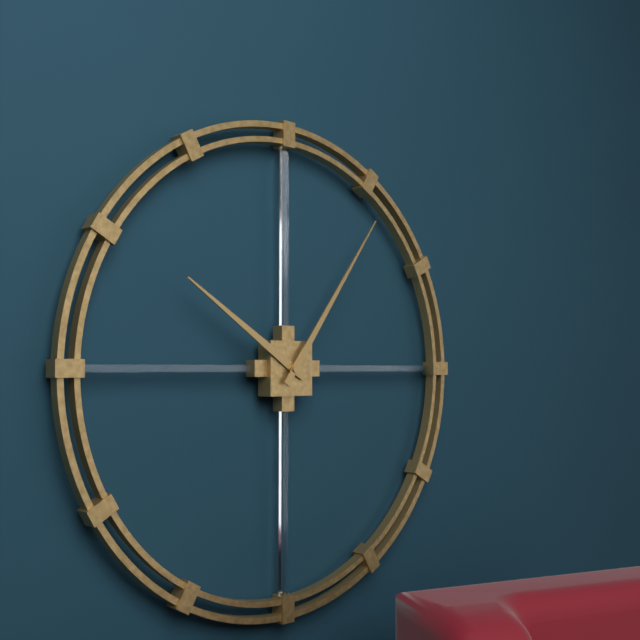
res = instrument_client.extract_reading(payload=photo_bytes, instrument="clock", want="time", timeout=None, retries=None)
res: 10:06
